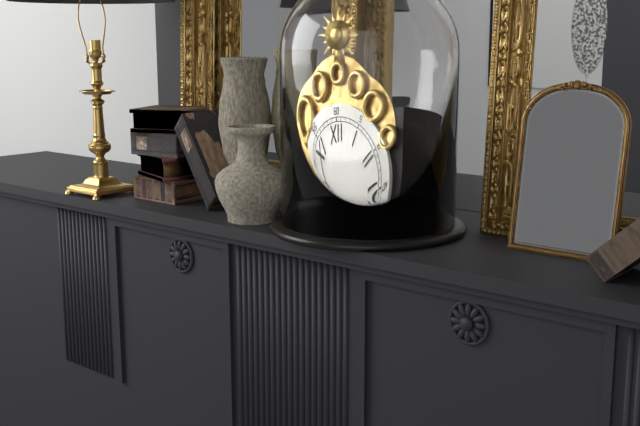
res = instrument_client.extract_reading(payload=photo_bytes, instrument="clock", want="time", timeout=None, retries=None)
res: 4:22
